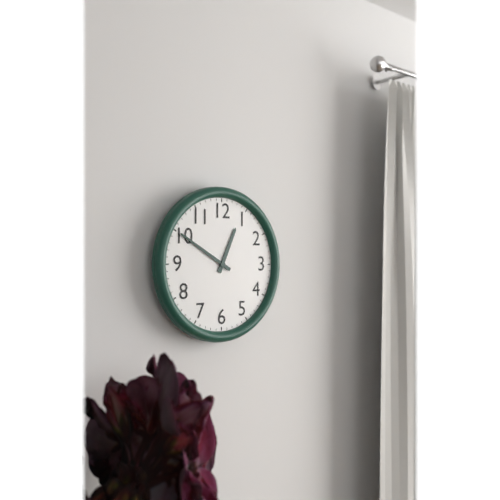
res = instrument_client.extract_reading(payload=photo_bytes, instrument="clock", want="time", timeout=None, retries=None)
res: 12:50
